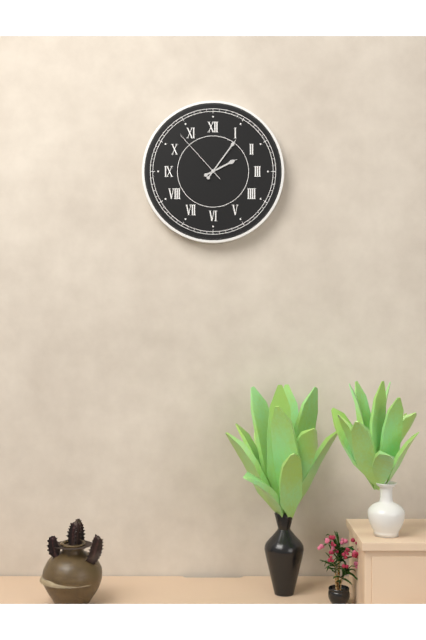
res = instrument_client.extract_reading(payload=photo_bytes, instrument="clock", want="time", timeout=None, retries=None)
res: 2:06:53
